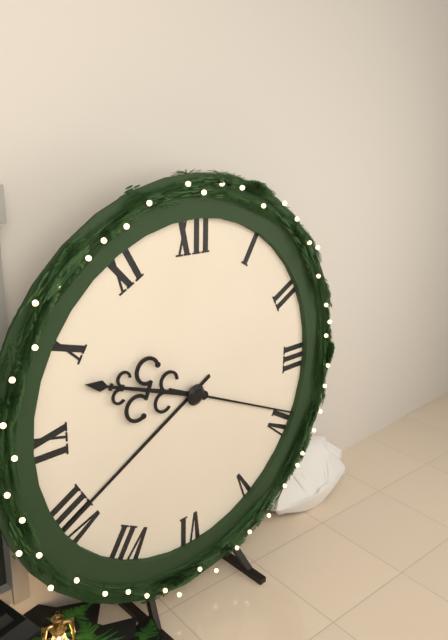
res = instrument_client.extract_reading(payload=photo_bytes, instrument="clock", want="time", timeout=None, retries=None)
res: 9:40:19
